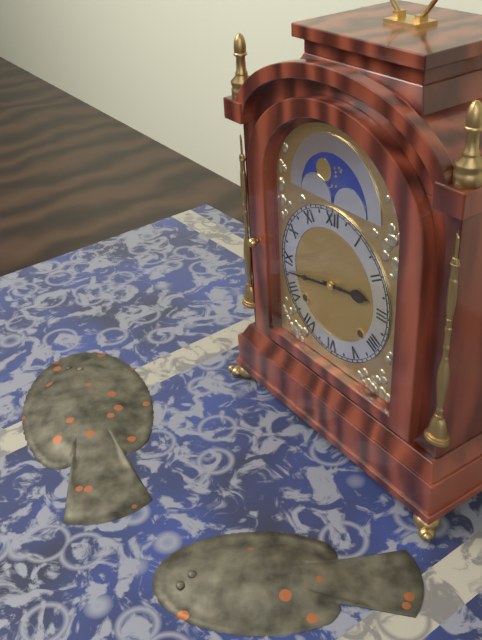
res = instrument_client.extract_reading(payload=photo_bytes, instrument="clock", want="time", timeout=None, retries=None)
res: 2:43
